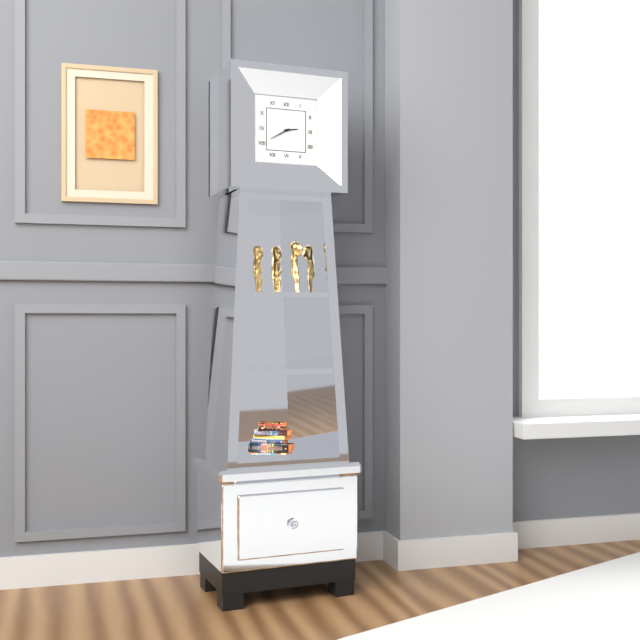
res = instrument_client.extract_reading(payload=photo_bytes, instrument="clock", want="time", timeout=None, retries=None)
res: 2:40
